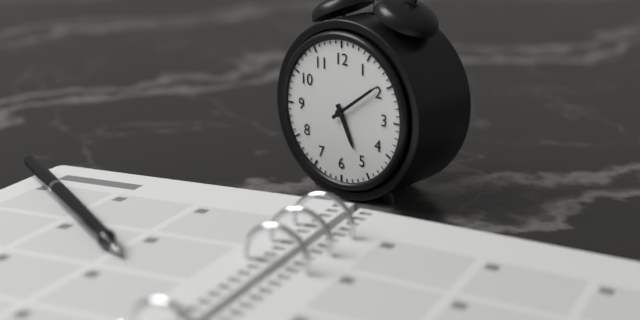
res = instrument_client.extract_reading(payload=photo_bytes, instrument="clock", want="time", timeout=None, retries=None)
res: 5:09
